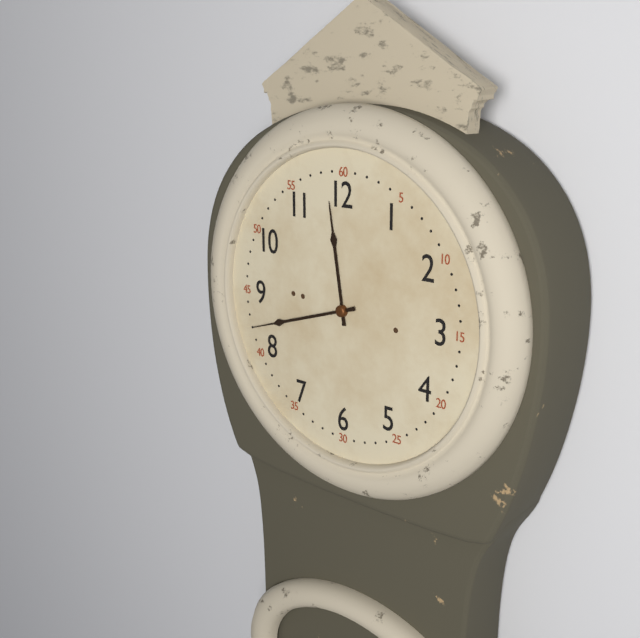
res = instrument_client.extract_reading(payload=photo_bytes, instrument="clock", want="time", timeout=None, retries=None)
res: 11:42
